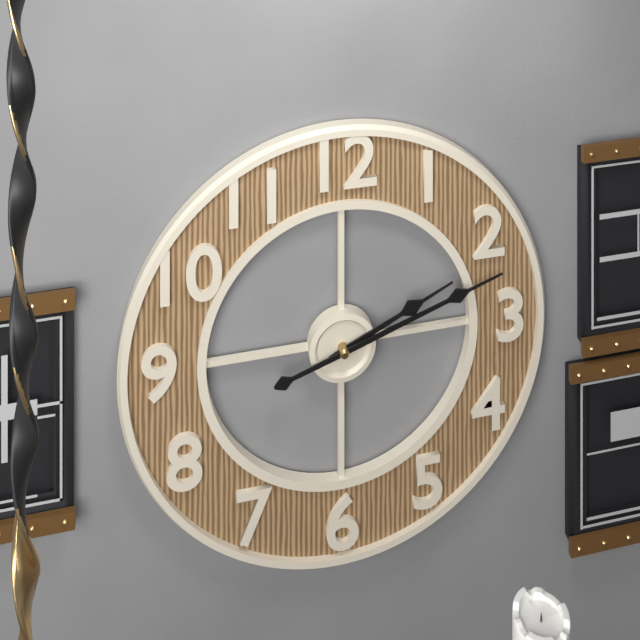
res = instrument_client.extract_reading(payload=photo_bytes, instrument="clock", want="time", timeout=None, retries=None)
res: 2:12
